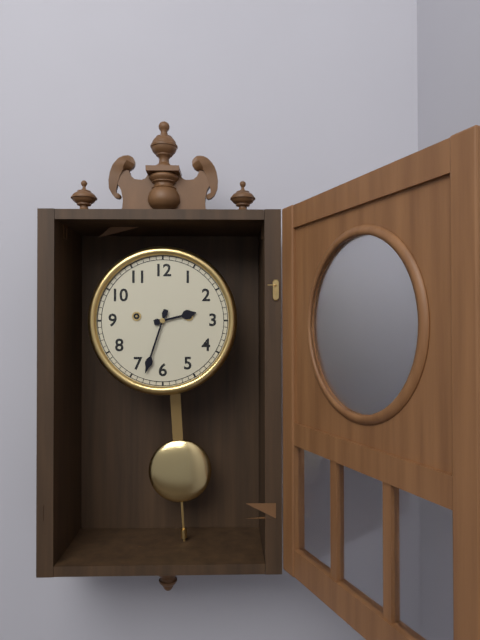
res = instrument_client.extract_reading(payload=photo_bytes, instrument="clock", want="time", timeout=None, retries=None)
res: 2:33
